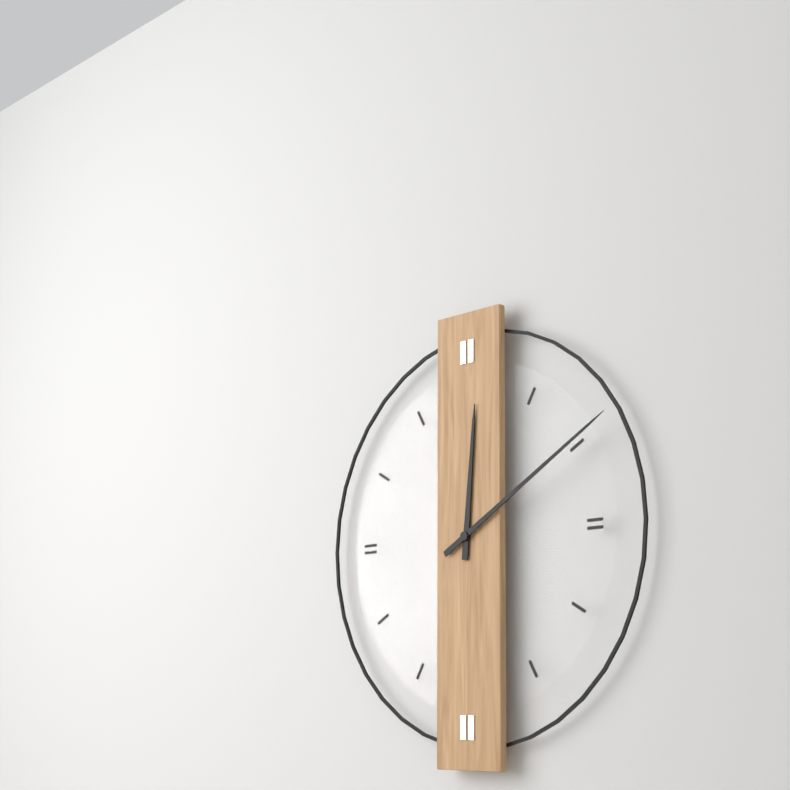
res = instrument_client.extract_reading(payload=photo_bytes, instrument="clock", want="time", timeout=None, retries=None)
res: 12:10
